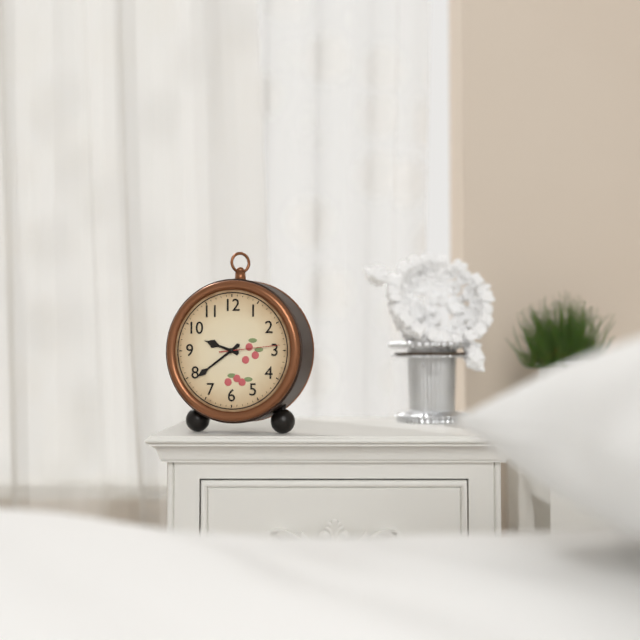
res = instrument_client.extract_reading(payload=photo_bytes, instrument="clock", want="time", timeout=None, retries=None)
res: 9:39:14
